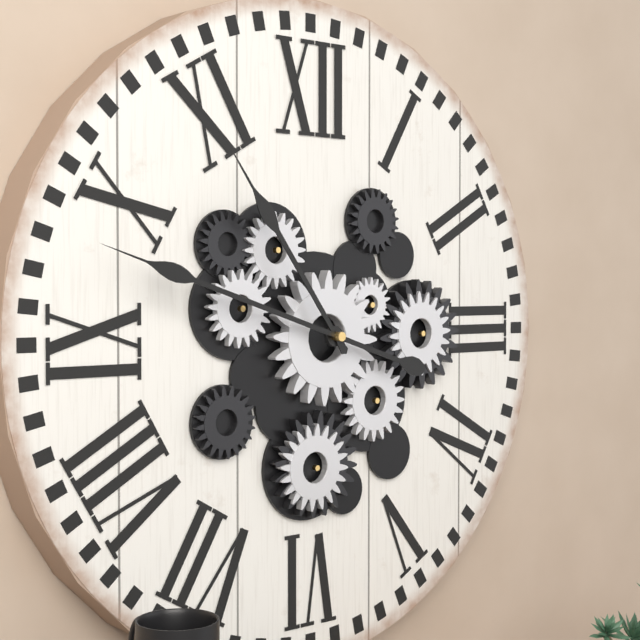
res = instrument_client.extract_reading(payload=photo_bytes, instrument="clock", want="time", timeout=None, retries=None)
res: 10:48
